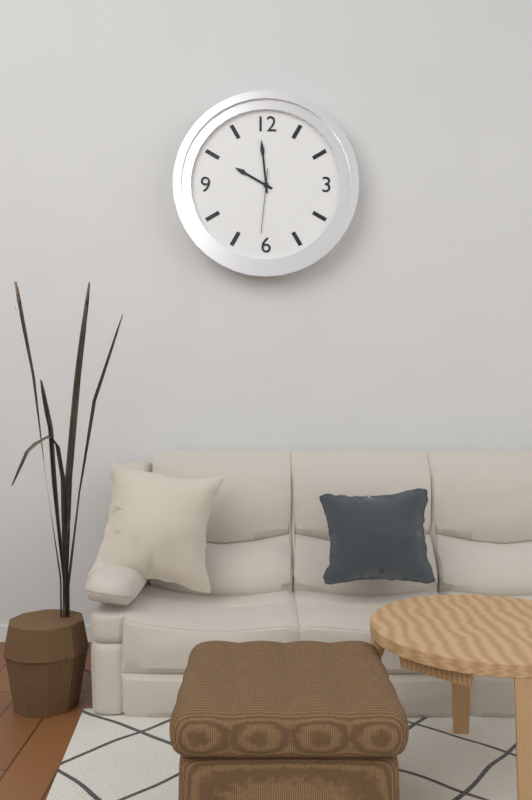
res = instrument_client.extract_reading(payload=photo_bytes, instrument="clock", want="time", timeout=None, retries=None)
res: 9:59:31
